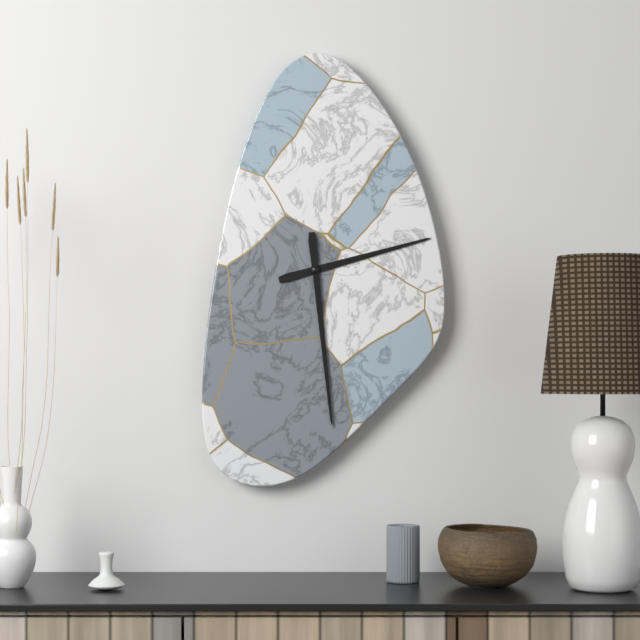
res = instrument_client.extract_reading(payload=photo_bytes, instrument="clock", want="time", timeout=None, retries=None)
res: 2:29
